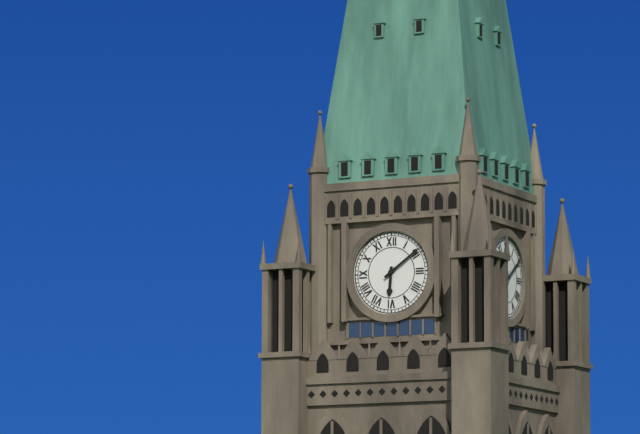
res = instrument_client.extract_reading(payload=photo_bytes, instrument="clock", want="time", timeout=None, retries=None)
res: 6:09
